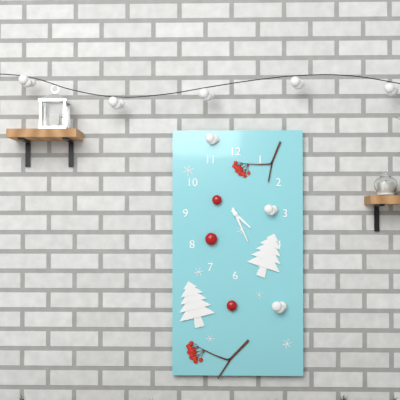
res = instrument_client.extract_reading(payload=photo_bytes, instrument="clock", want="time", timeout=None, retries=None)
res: 4:26
